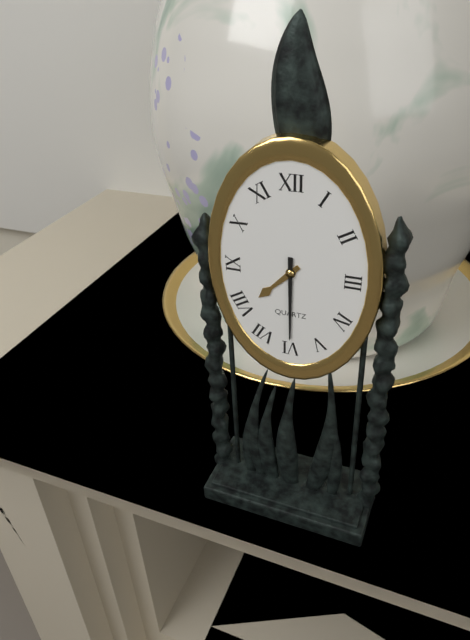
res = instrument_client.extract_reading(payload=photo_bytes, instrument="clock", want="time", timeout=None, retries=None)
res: 7:30
